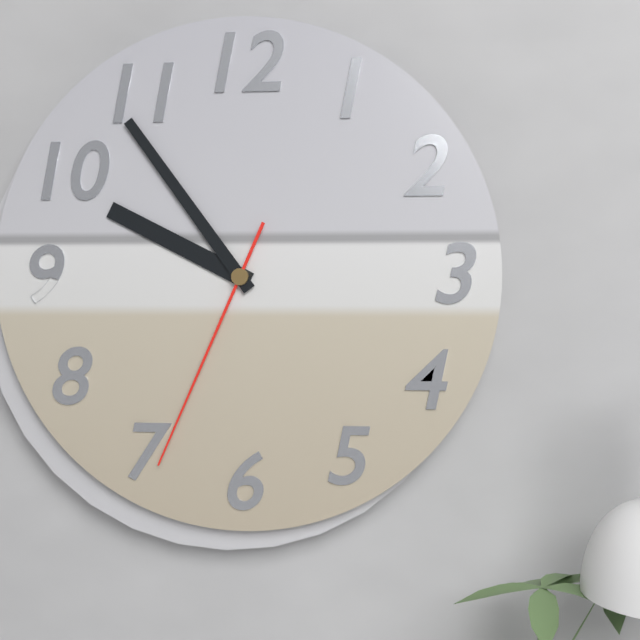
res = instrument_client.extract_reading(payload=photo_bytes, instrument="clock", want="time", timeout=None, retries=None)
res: 9:54:34
